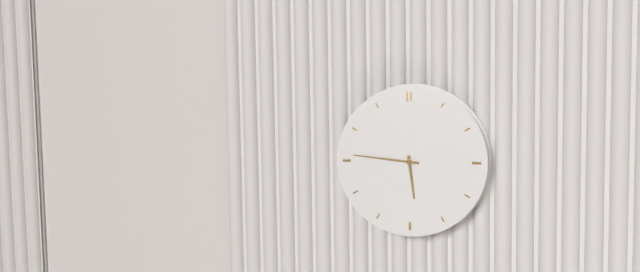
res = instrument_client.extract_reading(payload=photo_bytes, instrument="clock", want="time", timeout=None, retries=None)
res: 5:46
